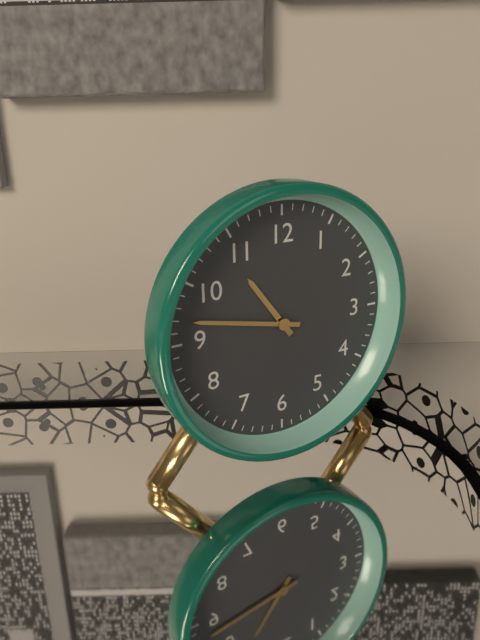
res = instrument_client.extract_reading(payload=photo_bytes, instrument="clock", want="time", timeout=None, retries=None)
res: 10:47
